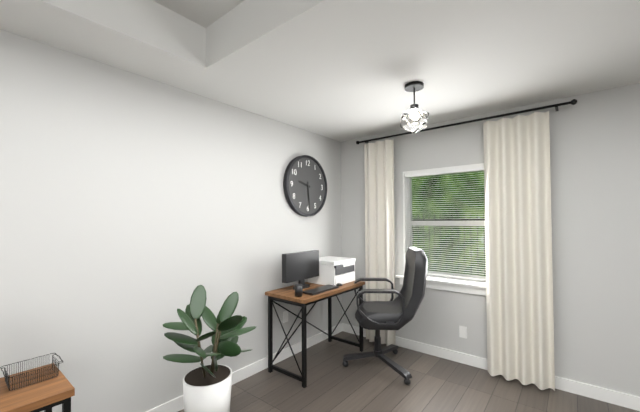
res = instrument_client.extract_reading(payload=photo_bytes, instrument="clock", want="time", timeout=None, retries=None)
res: 9:29
